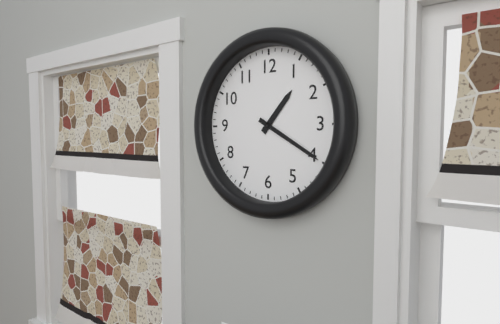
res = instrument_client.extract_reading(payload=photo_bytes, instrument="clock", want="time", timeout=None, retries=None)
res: 1:20
